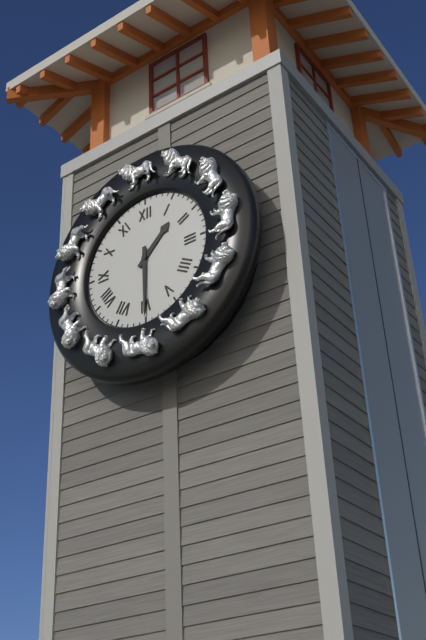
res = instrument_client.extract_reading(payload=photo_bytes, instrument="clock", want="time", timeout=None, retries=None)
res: 1:30
